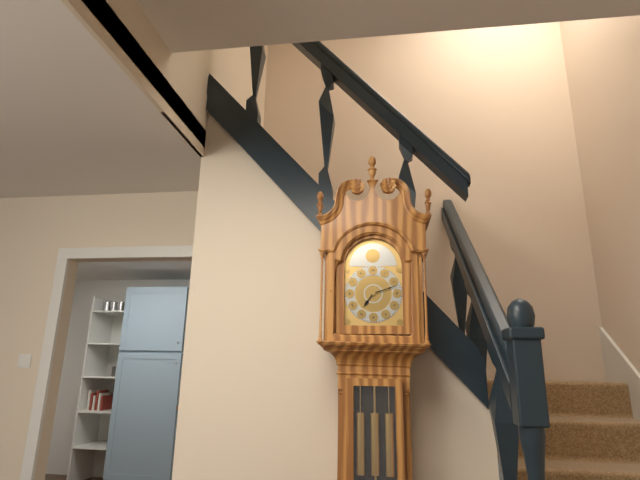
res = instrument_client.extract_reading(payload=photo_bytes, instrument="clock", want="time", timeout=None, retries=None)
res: 7:12
